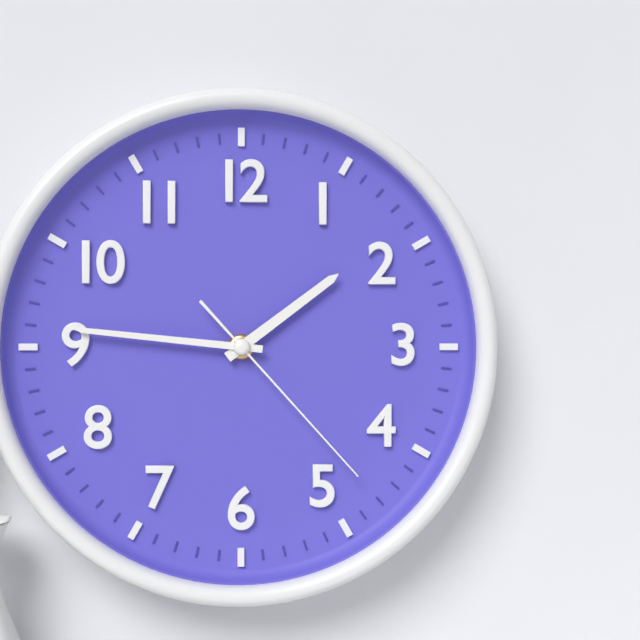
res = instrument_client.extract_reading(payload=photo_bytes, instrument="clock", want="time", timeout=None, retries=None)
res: 1:46:23
